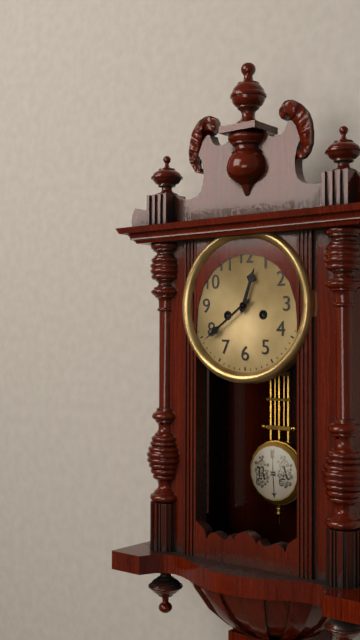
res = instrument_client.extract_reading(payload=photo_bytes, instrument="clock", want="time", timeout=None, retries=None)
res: 12:39
